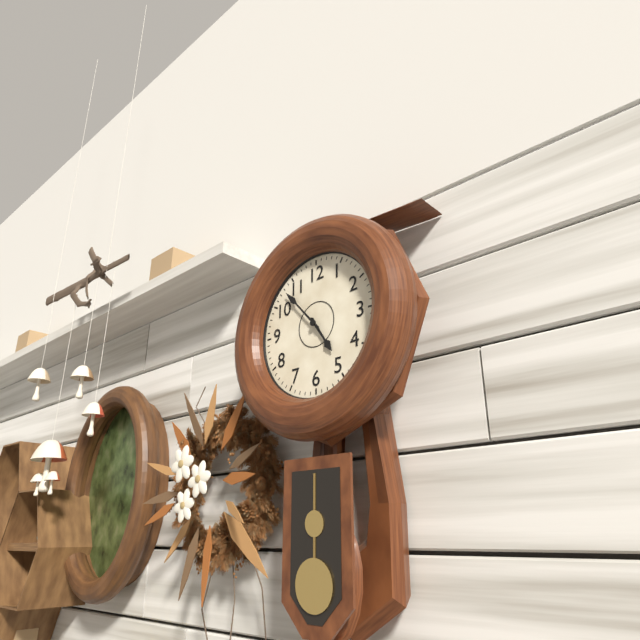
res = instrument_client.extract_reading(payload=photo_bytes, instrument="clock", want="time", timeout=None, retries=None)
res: 4:53
